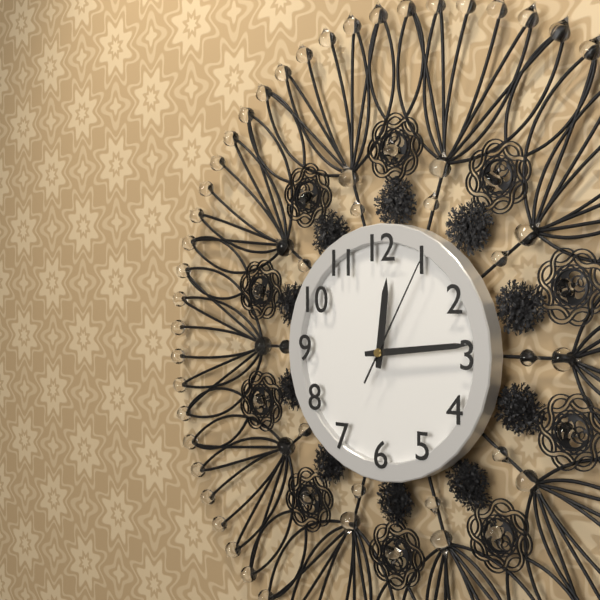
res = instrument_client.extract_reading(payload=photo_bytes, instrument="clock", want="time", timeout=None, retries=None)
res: 12:14:05
